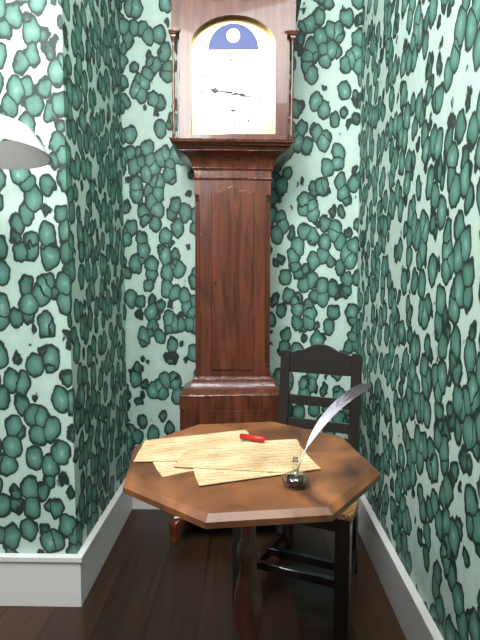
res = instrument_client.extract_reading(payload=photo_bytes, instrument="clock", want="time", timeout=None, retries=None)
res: 9:17
